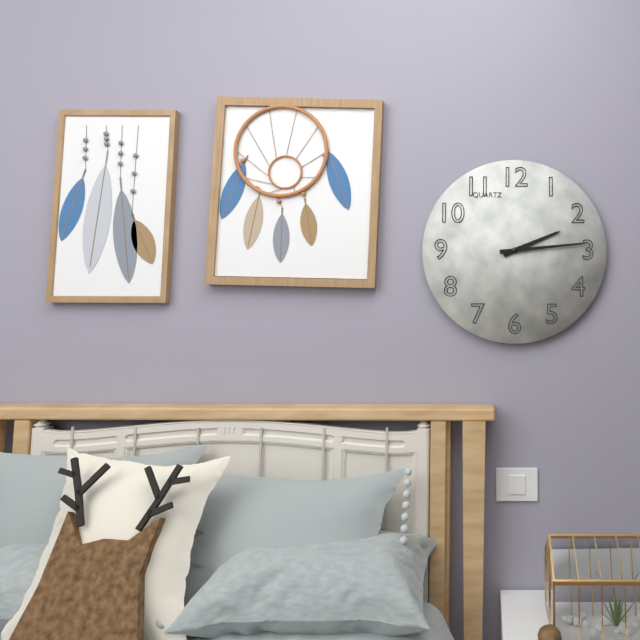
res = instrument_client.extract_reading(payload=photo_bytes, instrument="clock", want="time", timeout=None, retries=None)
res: 2:14
